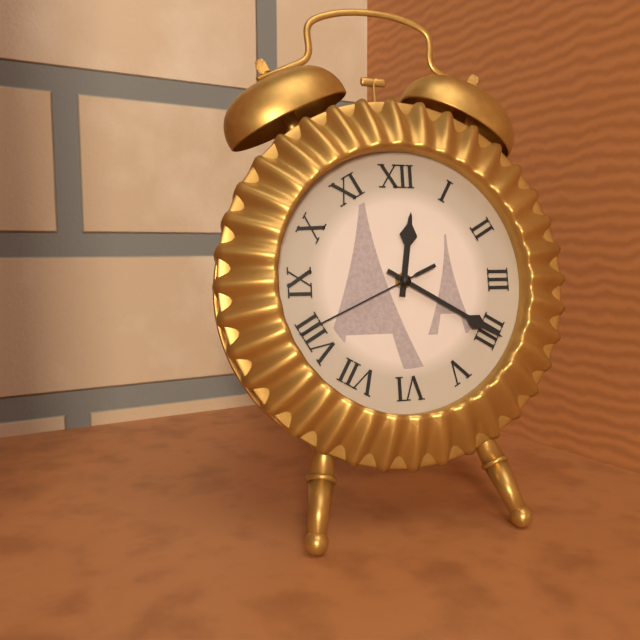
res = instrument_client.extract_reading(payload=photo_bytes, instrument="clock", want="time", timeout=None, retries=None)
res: 12:20:41
